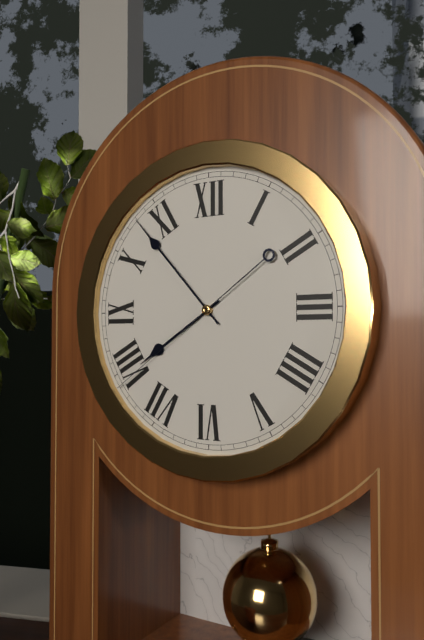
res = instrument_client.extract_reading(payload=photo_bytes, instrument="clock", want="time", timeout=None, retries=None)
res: 7:53:39
